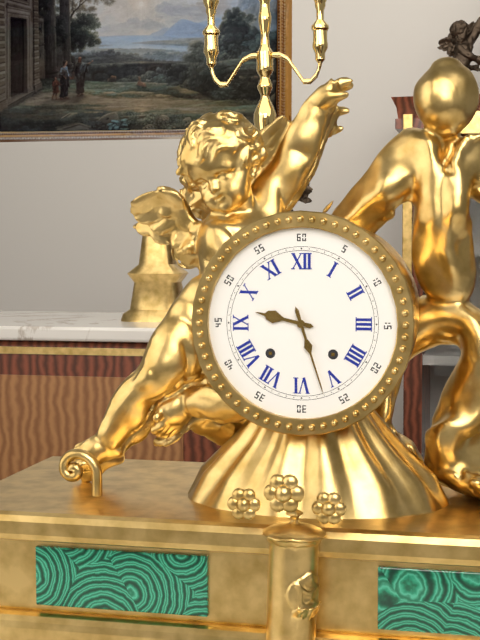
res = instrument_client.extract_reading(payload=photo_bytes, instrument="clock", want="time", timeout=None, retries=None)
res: 9:27
